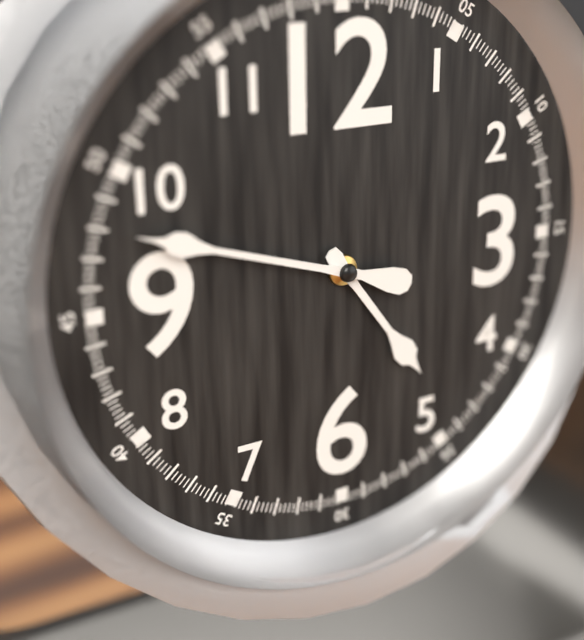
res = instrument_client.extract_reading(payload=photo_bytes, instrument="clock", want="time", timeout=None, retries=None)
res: 4:48
